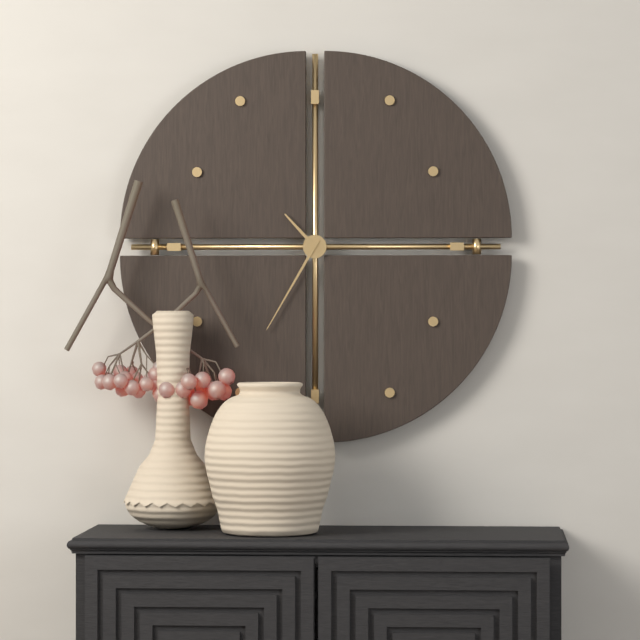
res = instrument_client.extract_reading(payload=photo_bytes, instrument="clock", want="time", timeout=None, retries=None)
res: 10:35
